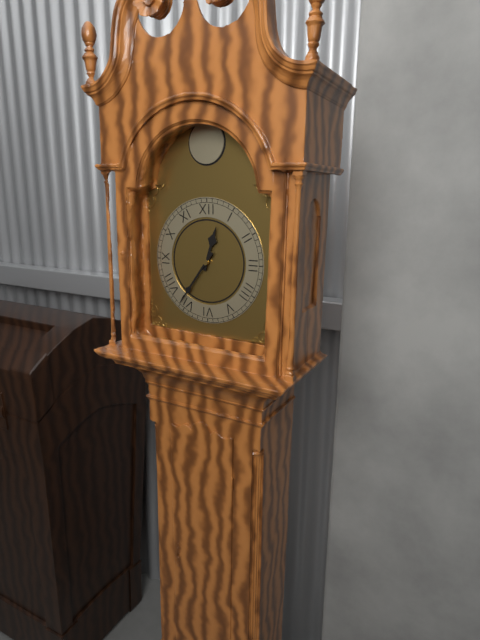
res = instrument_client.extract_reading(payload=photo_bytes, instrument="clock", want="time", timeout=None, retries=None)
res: 12:36
